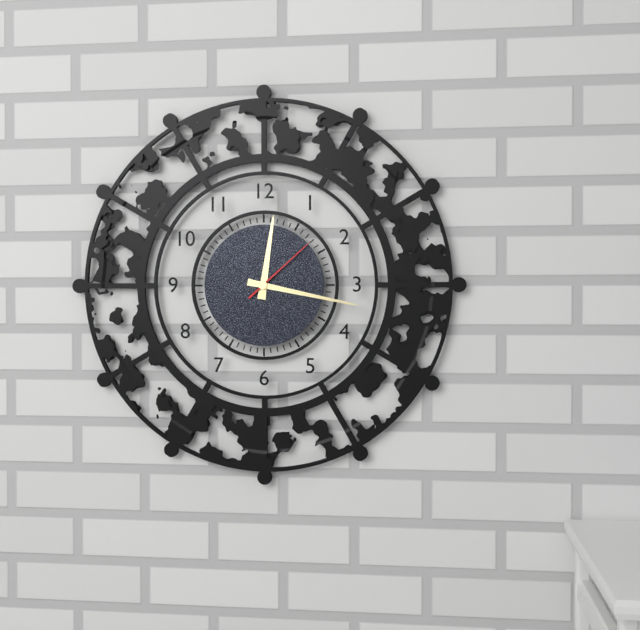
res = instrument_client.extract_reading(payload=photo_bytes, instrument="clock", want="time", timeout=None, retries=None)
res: 12:17:08
